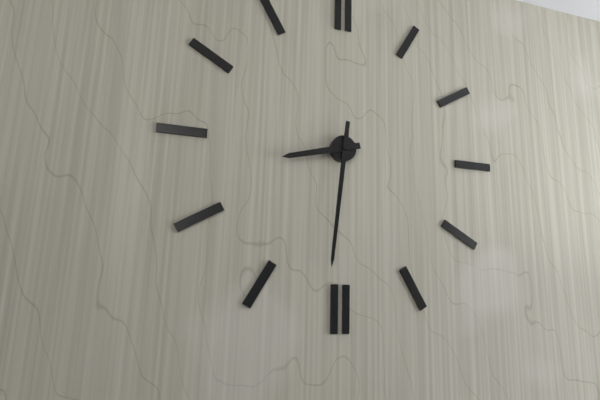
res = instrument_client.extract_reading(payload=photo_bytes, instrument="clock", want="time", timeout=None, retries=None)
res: 8:31
